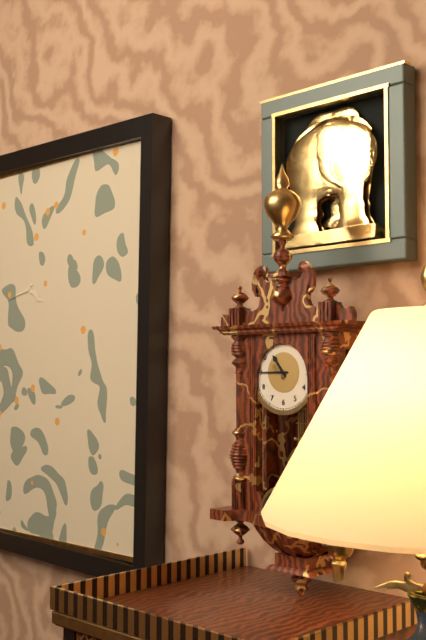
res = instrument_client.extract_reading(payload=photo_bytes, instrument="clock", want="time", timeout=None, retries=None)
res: 10:45
